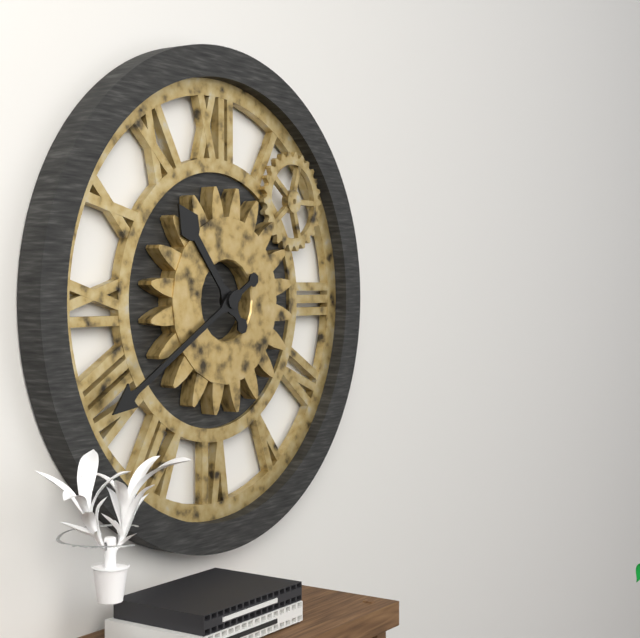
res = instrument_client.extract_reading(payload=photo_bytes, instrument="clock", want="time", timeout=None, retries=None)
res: 10:40
